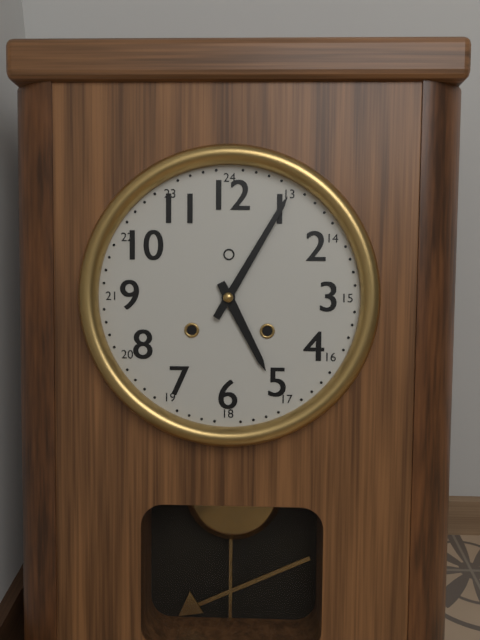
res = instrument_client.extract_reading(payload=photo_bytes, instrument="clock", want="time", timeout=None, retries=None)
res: 5:05
